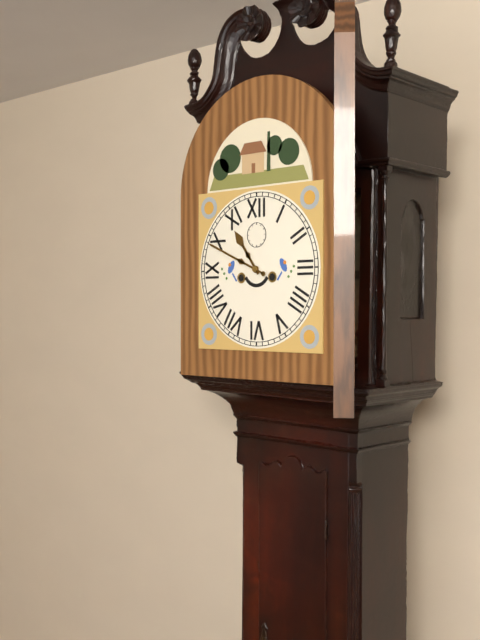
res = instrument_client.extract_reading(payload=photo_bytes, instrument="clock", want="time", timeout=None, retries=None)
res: 10:49
